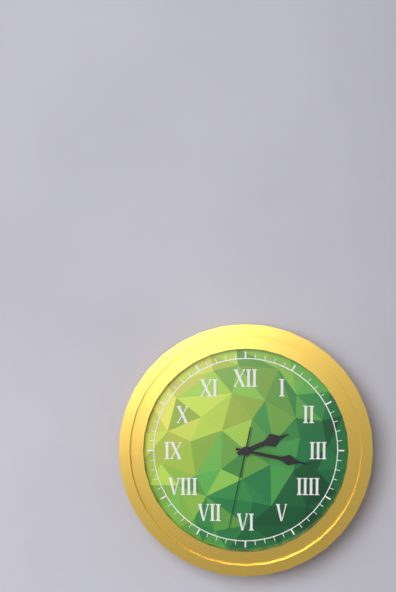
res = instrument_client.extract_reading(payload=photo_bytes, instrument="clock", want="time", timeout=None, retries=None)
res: 2:17:32
